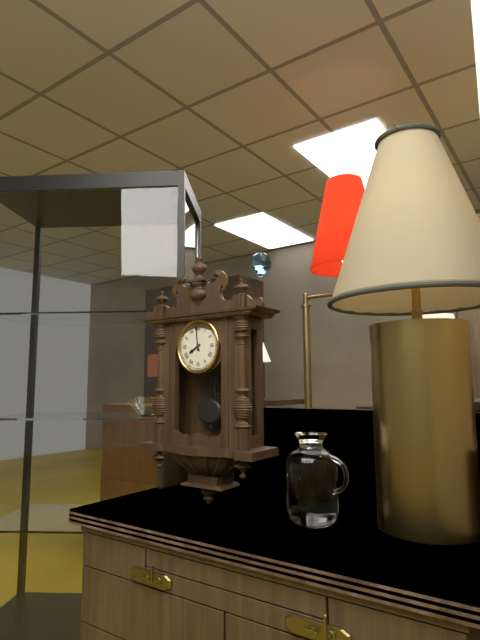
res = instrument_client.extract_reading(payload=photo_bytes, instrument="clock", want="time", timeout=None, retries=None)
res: 7:59
